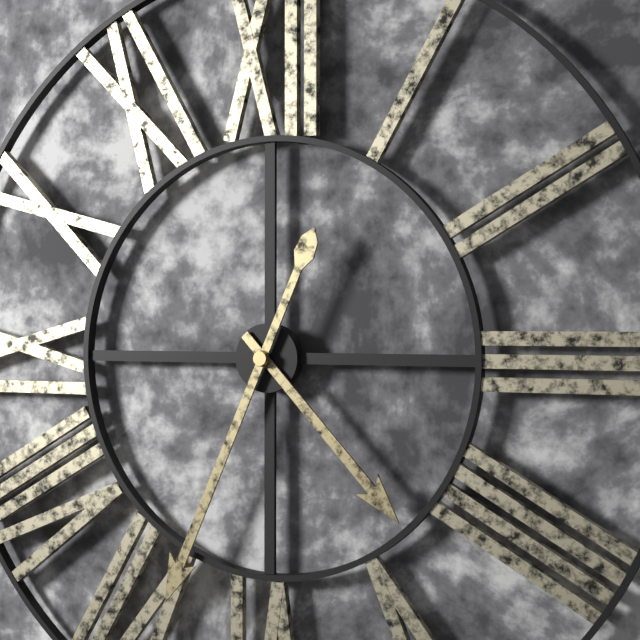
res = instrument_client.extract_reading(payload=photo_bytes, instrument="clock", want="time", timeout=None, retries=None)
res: 4:34
